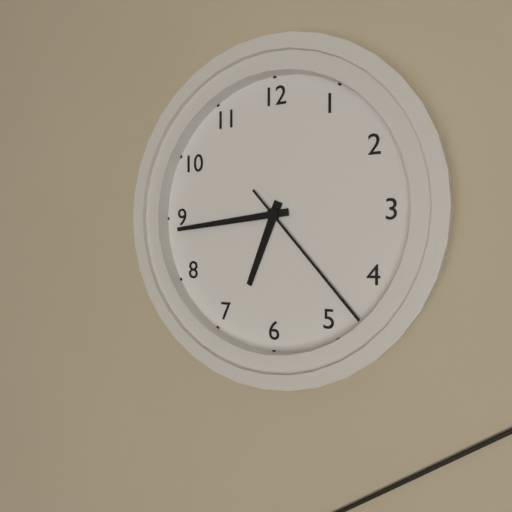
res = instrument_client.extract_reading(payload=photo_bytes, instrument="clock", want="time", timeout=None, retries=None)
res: 6:44:23
